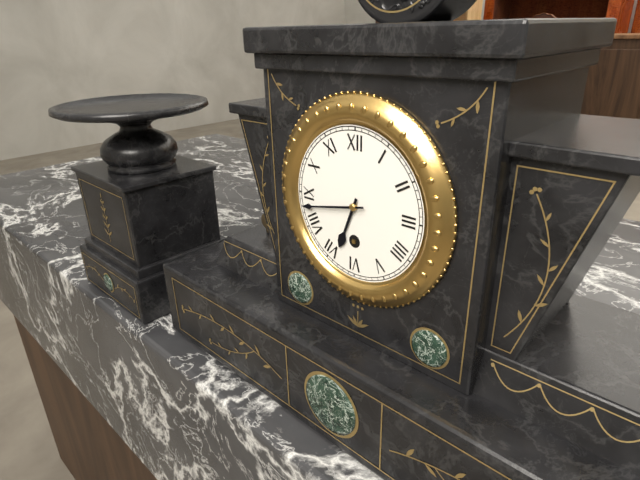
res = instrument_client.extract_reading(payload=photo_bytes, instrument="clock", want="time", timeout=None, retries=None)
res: 6:43
